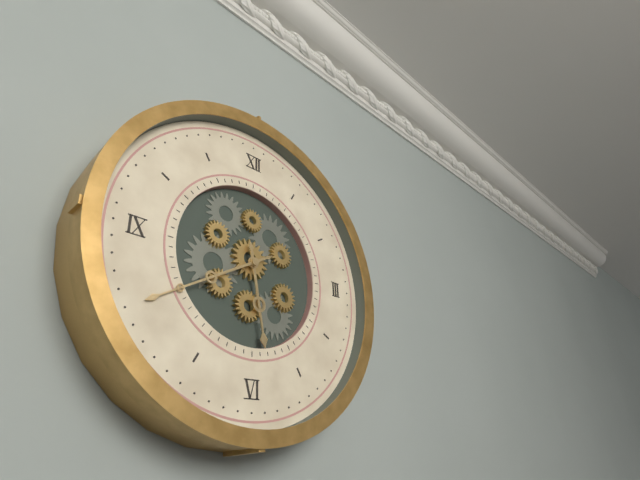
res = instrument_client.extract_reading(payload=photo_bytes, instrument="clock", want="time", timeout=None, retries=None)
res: 5:40
